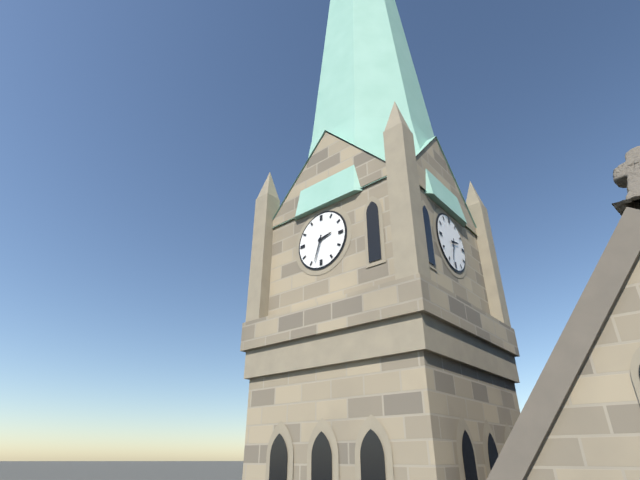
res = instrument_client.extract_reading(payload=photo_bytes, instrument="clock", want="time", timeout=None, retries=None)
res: 2:33
